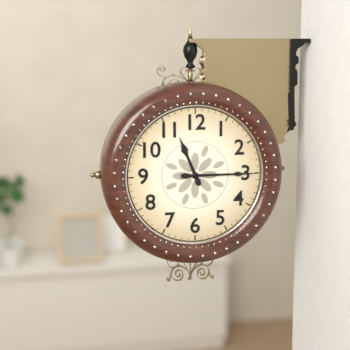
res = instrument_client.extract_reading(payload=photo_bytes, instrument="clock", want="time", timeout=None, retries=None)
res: 11:15
